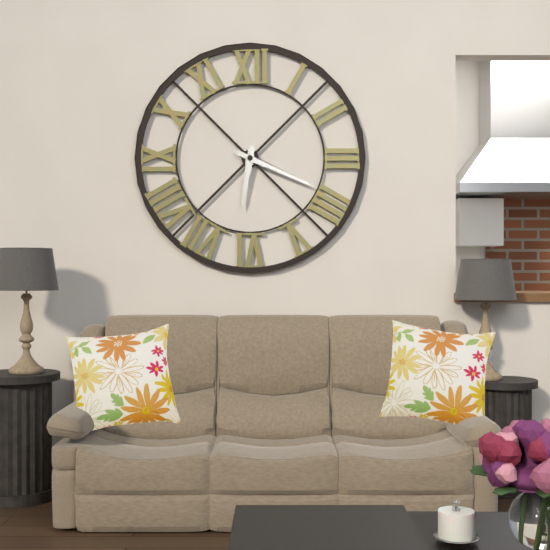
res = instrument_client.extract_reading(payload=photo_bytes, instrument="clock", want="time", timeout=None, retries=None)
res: 6:19
